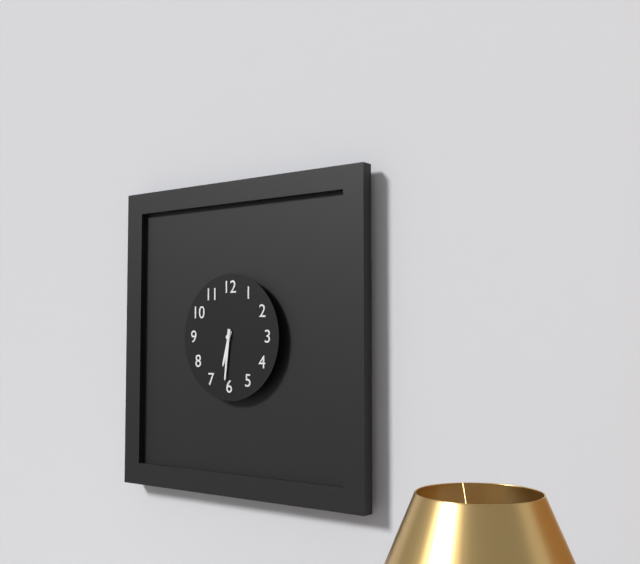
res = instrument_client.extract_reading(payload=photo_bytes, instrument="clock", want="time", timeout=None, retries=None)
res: 6:31
